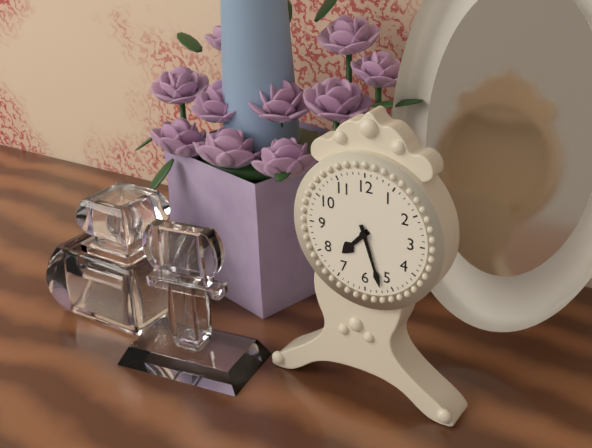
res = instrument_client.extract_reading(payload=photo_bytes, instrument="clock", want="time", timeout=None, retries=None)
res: 7:27
